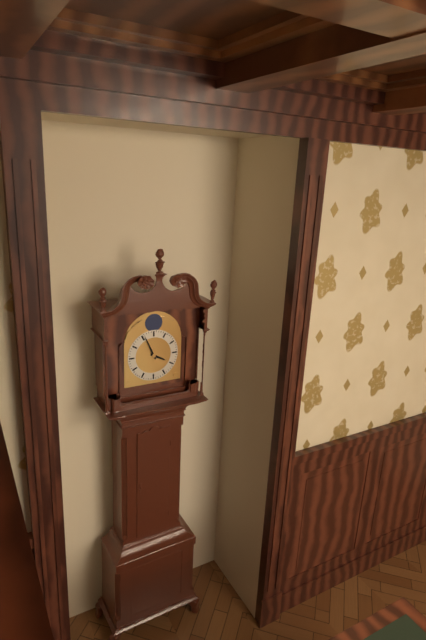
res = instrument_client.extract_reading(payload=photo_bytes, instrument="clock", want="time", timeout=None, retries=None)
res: 3:56
